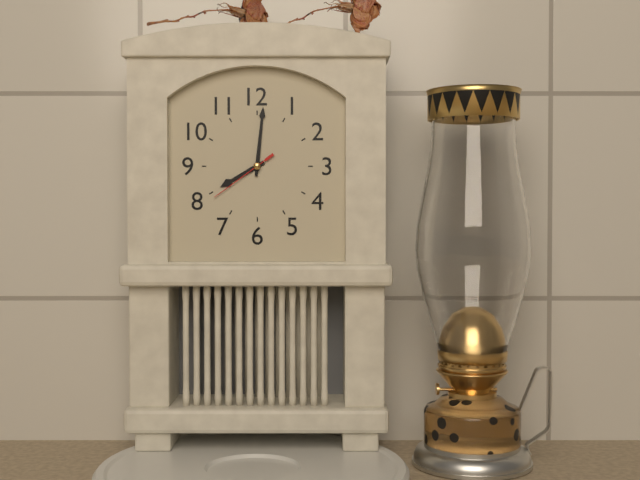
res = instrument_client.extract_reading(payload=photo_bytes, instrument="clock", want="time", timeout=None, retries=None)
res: 8:01:39
